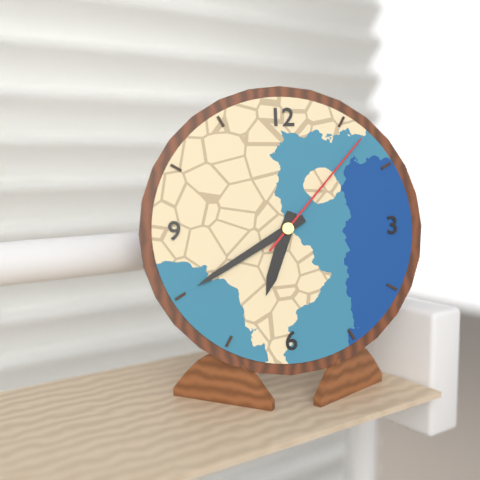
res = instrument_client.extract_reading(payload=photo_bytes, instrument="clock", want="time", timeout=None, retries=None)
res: 6:40:07
